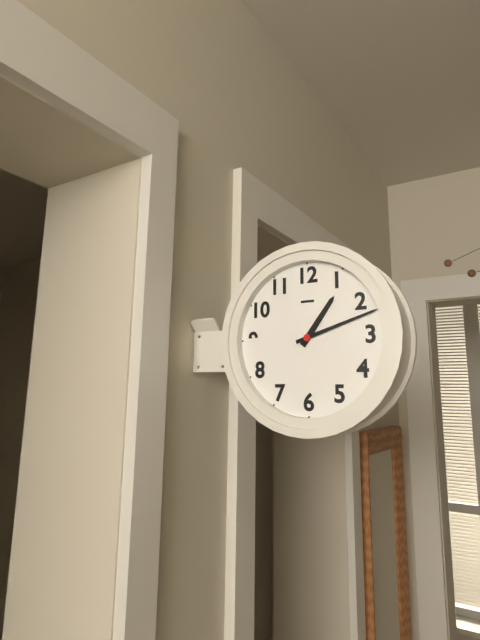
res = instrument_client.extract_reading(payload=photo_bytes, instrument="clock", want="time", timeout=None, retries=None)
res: 1:12
